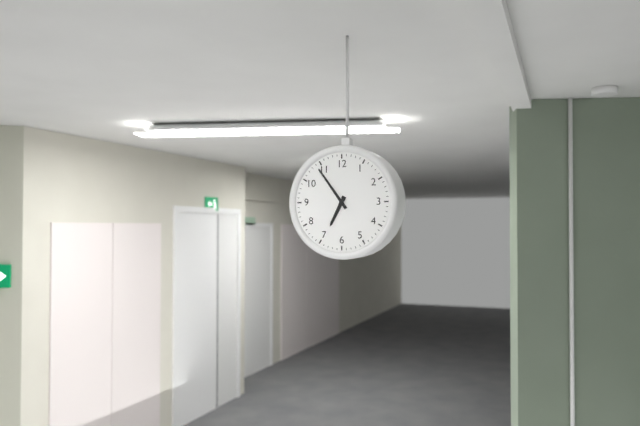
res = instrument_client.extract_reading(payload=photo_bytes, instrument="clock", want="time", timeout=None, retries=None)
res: 6:54
